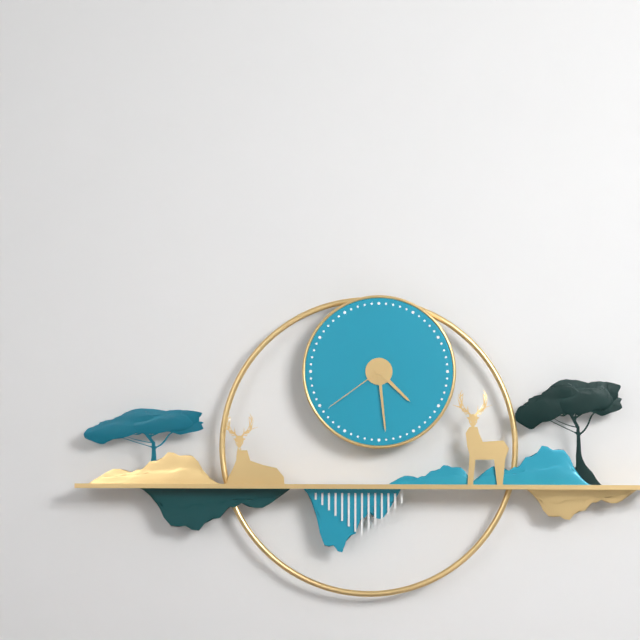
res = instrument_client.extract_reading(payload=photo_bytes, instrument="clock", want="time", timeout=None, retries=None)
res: 4:29:39
